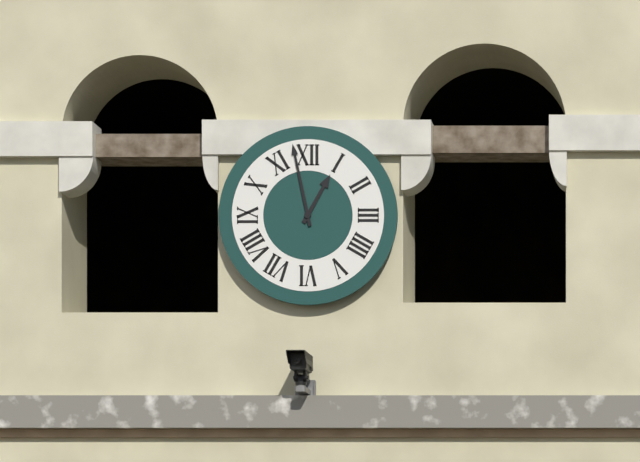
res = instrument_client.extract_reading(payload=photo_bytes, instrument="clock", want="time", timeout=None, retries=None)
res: 12:58
